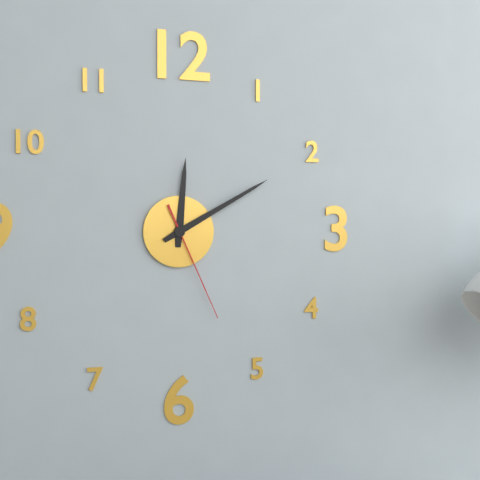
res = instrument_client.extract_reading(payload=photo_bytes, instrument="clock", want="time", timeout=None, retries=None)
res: 12:10:26
